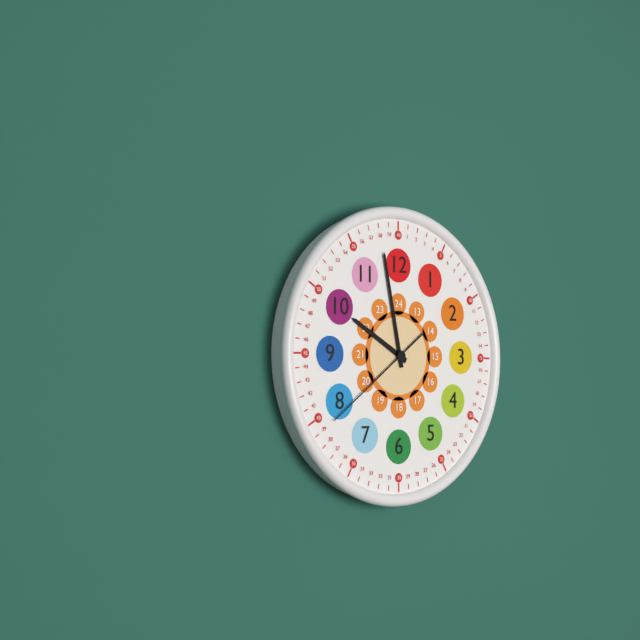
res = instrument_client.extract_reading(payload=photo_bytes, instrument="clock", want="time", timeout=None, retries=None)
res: 9:58:39
